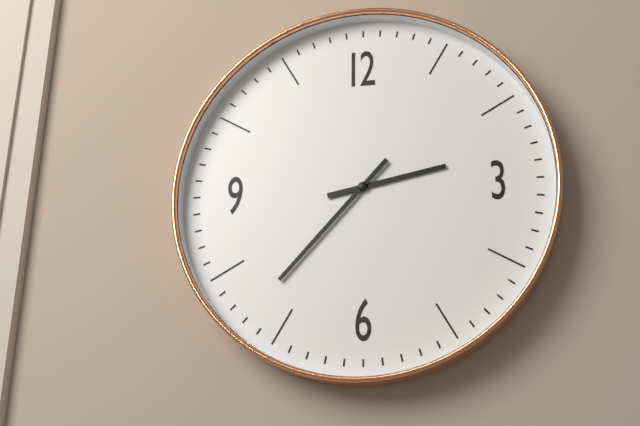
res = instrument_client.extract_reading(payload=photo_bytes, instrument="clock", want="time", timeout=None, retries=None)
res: 2:37
